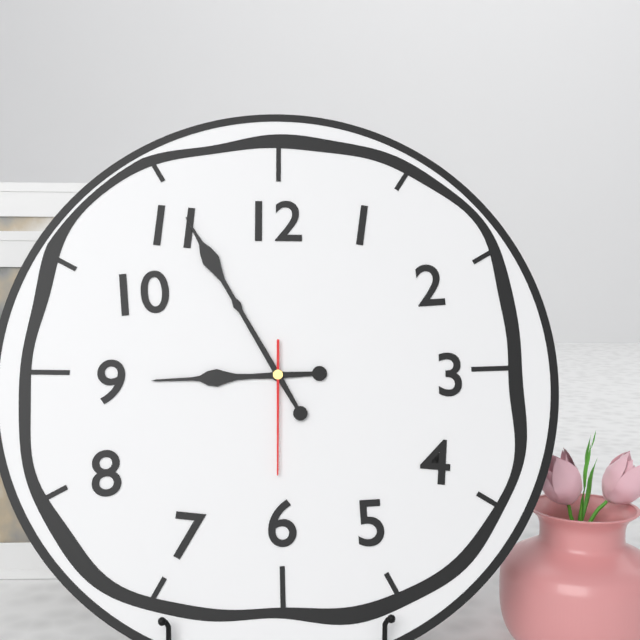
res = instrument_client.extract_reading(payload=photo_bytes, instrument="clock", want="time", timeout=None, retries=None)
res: 8:55:30
